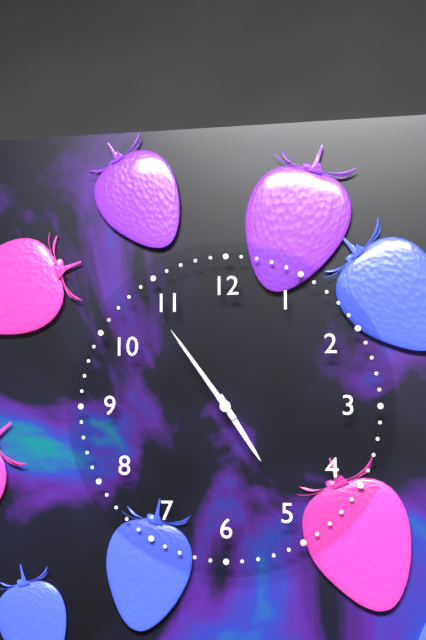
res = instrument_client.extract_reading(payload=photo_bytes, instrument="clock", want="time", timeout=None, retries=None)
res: 4:54
